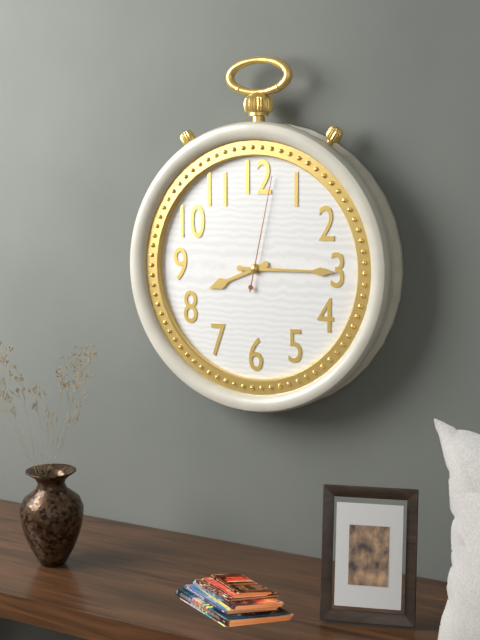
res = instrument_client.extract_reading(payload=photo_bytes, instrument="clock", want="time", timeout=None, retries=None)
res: 8:15:02
